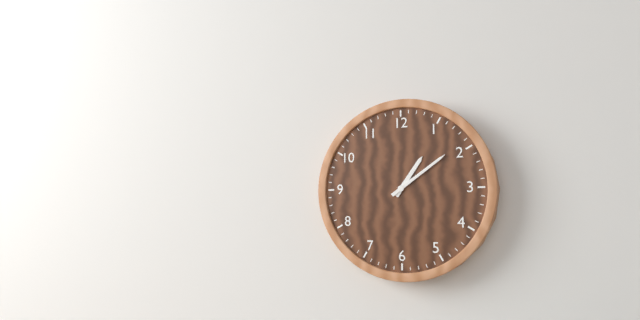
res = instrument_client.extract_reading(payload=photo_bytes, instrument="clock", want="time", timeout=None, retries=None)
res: 1:09
